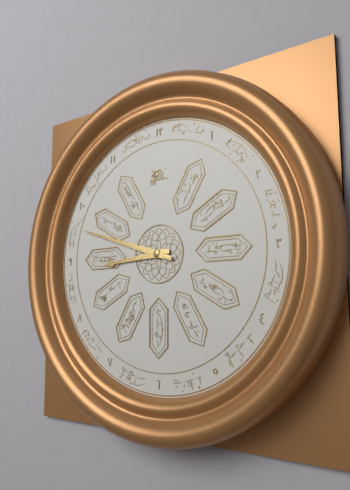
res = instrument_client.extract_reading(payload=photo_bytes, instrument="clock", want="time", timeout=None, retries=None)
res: 8:48
